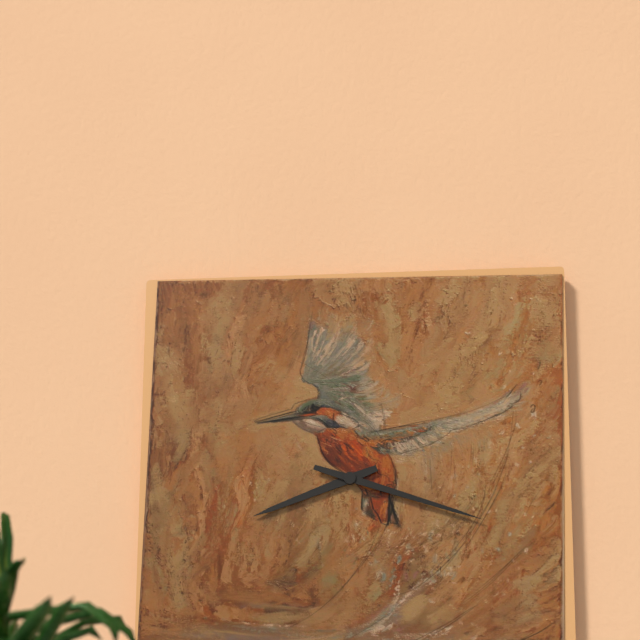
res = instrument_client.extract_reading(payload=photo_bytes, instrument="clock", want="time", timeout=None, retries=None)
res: 8:18
